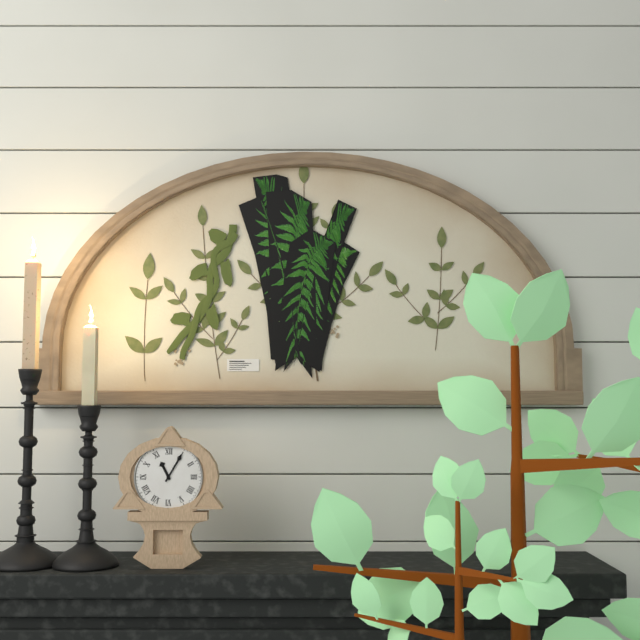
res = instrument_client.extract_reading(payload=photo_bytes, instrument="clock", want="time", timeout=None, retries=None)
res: 11:05
